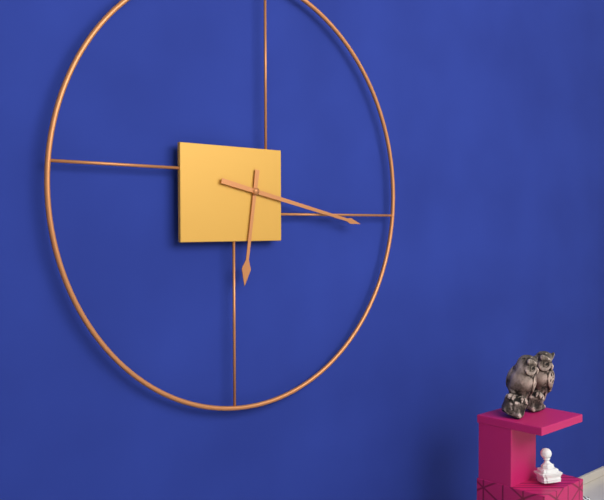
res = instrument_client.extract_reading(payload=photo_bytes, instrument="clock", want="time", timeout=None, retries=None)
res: 6:17
